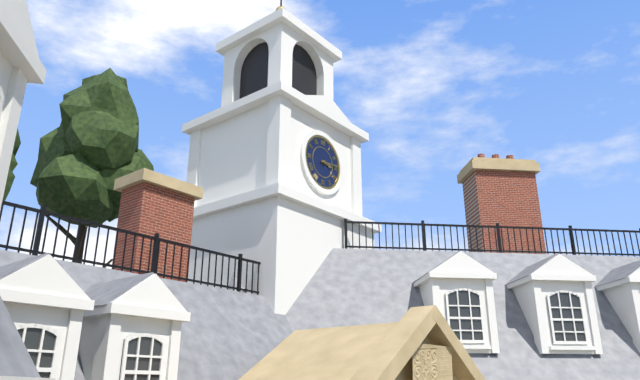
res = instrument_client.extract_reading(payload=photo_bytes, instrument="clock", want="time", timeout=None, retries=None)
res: 3:14
